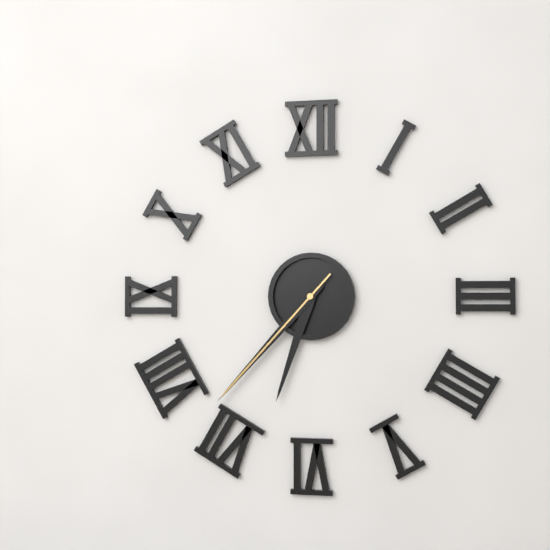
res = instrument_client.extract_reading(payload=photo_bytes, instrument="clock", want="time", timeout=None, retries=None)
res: 6:37:37
